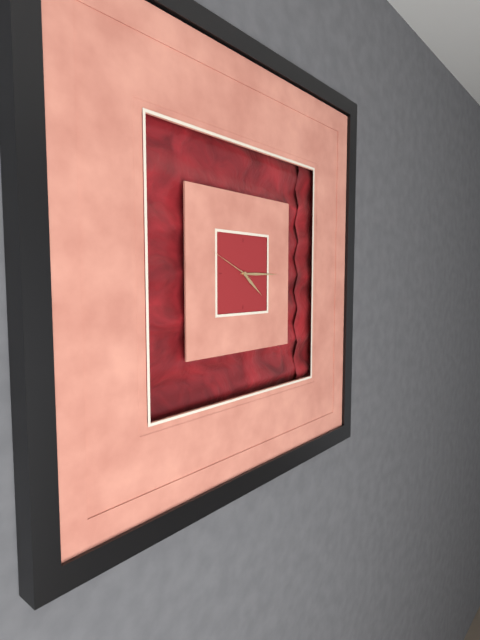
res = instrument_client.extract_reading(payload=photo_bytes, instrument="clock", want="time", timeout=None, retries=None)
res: 4:15:49
